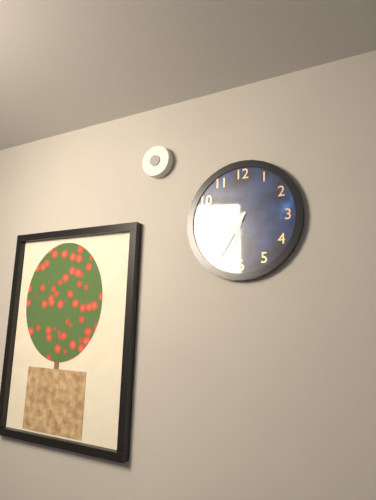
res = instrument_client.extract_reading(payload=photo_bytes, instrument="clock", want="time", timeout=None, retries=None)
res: 6:35
